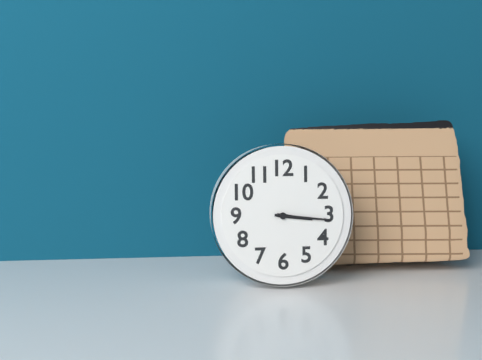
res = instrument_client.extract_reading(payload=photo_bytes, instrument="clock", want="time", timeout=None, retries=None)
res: 3:16
